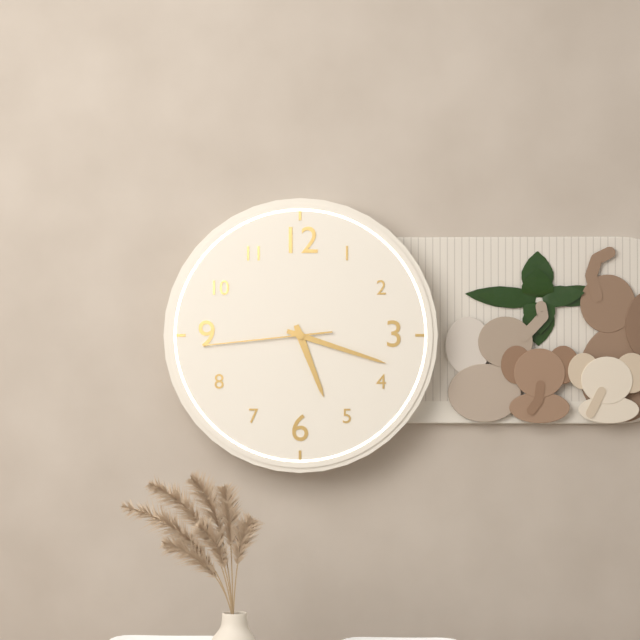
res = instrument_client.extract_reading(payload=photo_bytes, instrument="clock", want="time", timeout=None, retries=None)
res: 5:18:44
